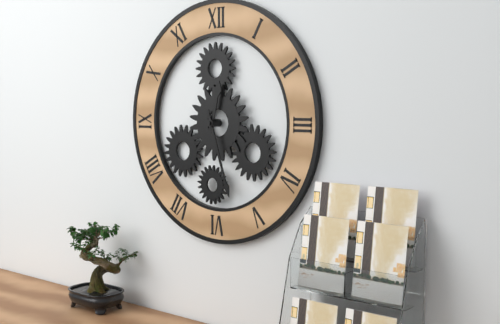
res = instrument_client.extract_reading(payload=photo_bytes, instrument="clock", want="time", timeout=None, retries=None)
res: 12:27
